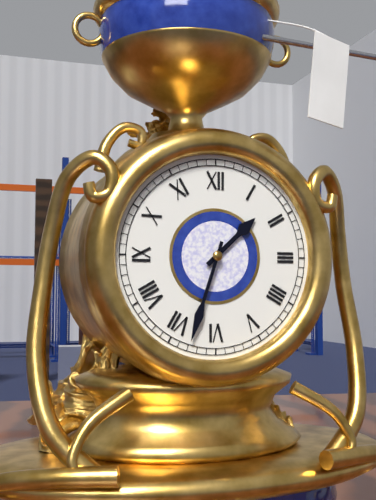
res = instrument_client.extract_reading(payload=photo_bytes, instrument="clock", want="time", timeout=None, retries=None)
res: 1:33
